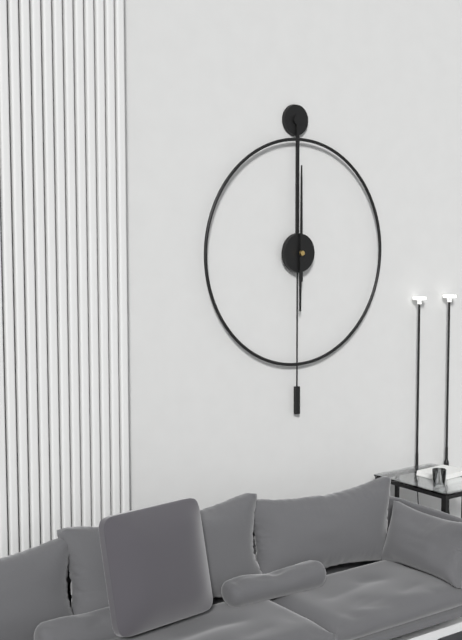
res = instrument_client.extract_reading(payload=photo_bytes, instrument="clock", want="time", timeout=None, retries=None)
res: 6:00
